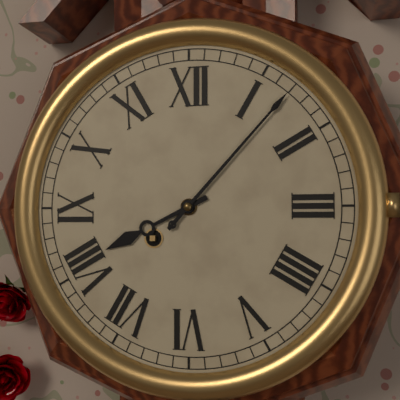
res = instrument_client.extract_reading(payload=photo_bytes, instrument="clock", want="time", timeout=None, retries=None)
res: 8:07
